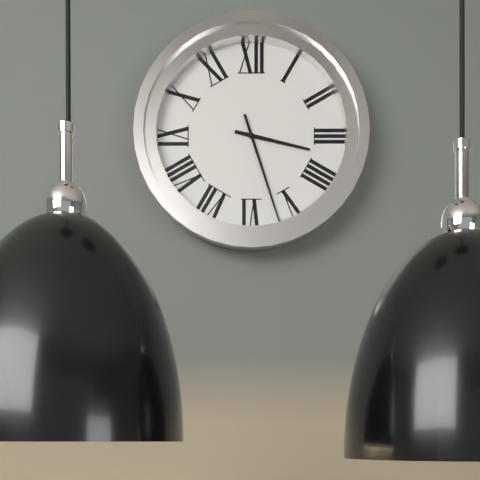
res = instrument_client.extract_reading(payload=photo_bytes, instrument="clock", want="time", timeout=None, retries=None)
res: 3:27
